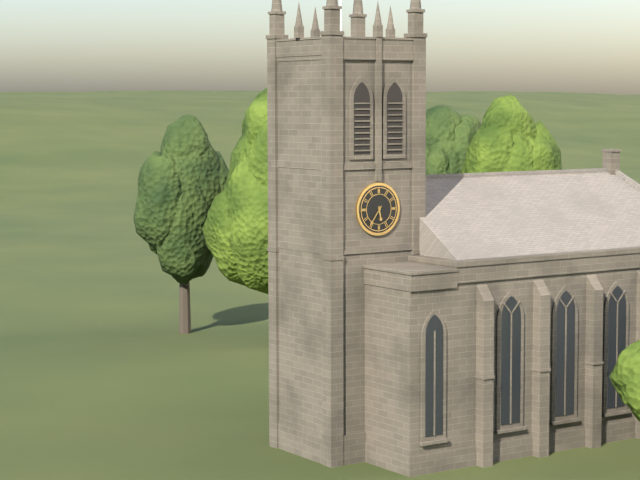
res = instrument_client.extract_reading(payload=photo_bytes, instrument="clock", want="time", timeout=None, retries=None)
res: 5:36
